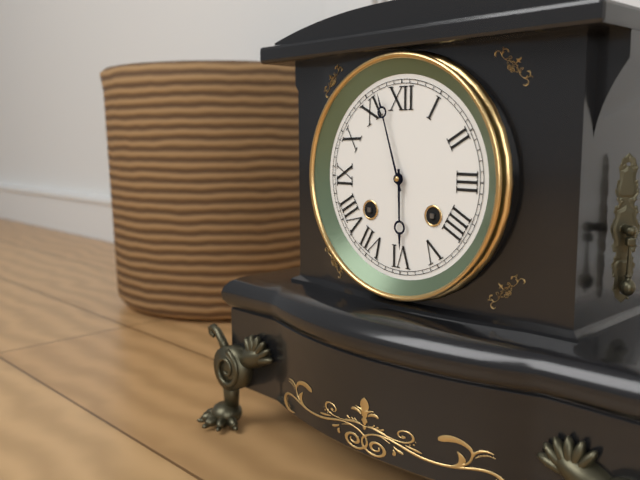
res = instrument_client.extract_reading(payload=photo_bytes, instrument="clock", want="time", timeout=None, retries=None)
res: 5:57
